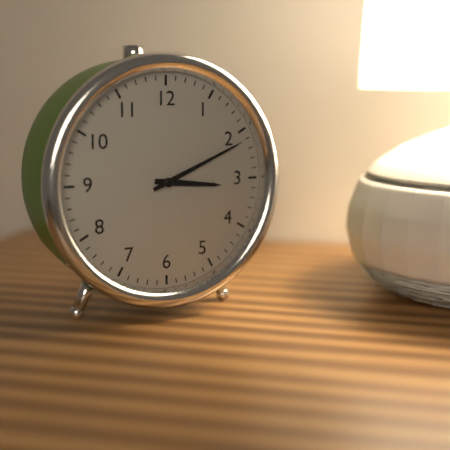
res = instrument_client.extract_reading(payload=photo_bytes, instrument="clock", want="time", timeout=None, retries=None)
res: 3:11
